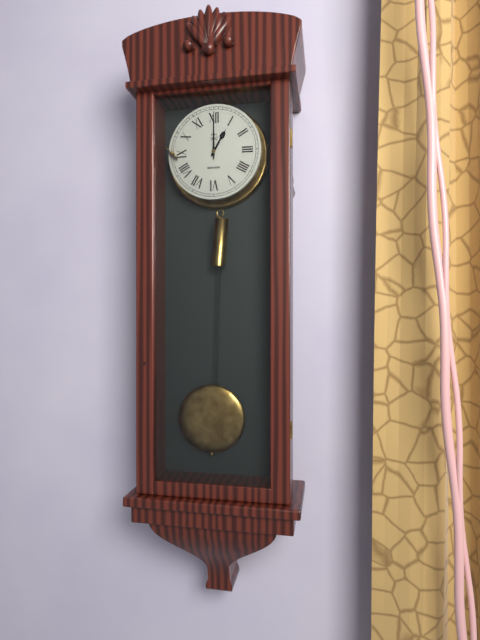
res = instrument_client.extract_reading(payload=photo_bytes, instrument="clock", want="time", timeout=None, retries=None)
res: 1:00
